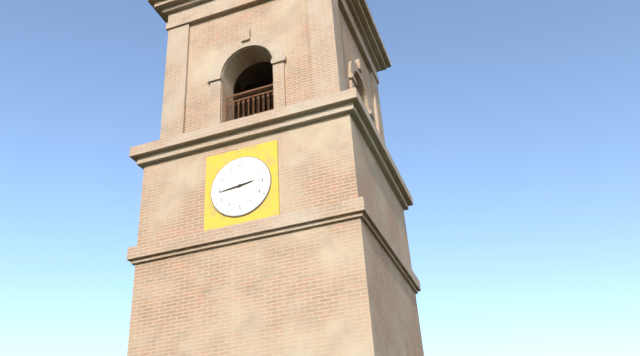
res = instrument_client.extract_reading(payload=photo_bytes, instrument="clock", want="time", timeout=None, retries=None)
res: 2:44
